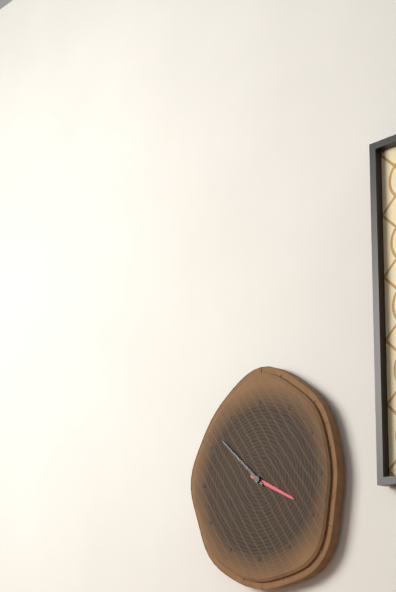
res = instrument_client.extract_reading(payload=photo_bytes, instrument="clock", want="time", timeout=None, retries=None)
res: 3:52
